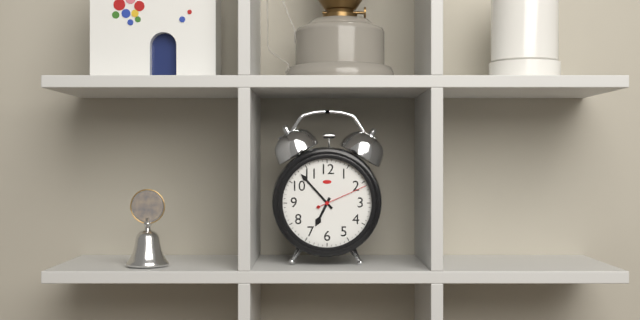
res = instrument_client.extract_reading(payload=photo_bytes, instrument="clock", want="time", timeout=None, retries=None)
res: 6:53:11
